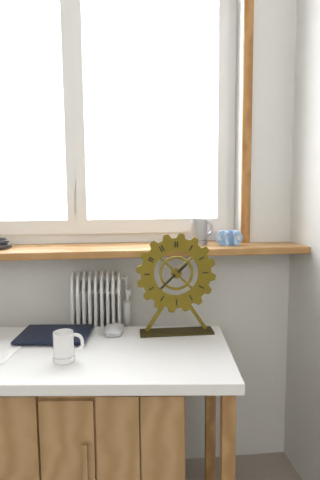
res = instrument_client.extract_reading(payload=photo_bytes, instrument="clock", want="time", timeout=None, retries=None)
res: 1:38
